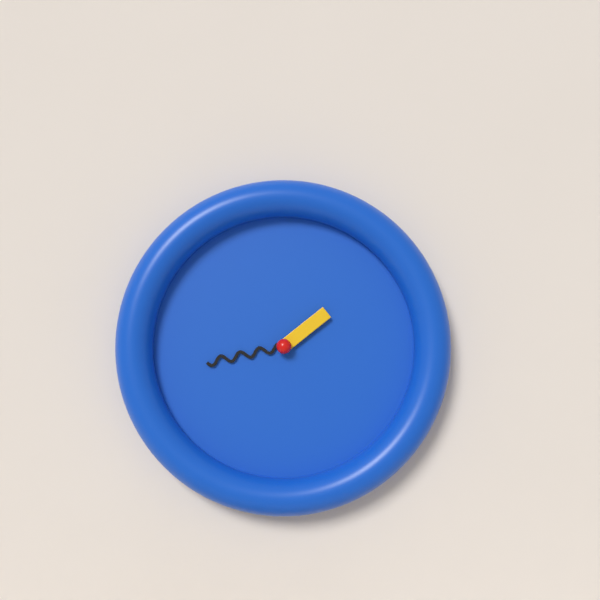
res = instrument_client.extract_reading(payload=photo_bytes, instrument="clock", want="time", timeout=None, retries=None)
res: 1:43
